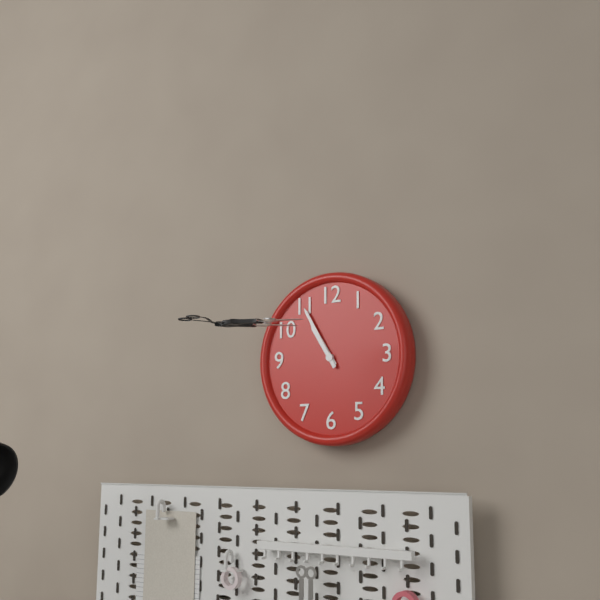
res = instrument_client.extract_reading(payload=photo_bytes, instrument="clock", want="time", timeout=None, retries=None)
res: 10:55
